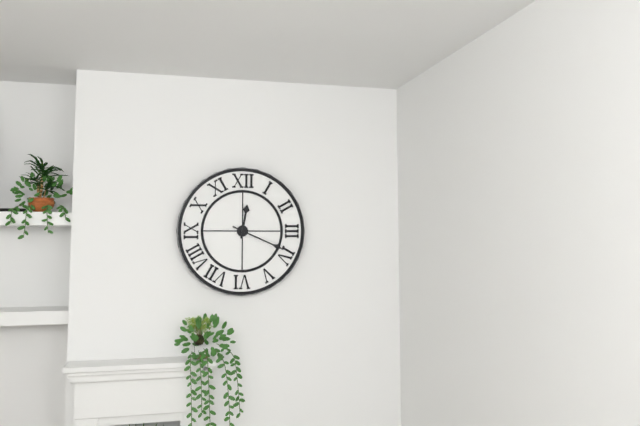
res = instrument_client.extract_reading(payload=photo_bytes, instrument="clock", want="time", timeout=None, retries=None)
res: 12:19
